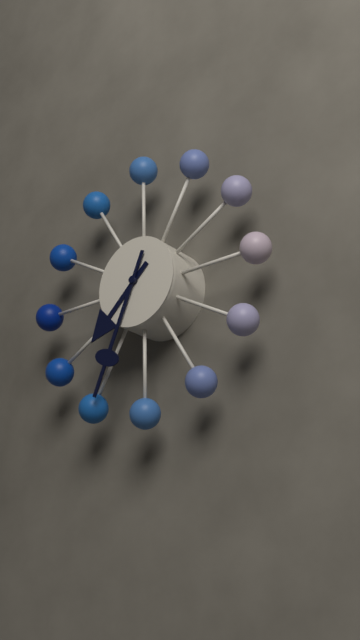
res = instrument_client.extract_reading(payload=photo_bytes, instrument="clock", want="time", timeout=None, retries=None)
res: 7:34
